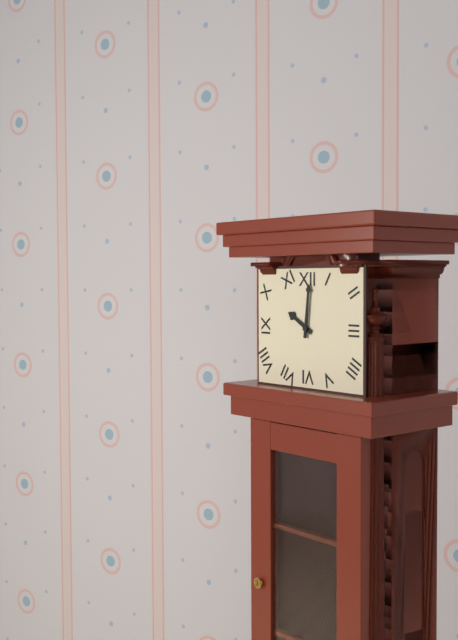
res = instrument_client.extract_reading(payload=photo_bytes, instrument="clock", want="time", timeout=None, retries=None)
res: 10:01
